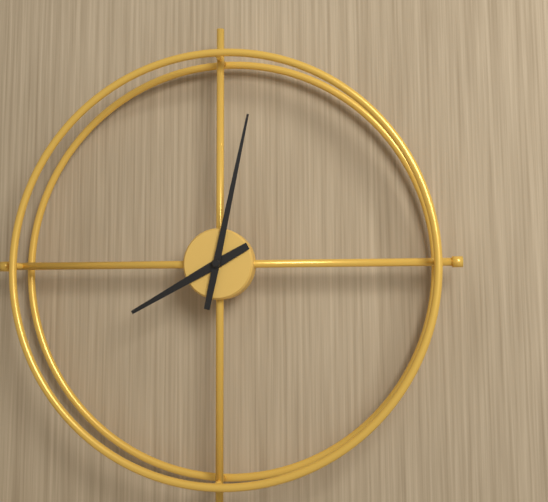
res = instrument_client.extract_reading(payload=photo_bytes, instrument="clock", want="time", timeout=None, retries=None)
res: 8:02
